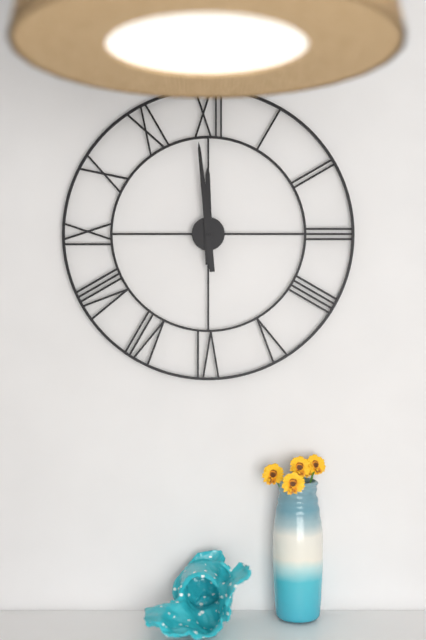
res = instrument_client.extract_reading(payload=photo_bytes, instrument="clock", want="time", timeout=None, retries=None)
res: 11:59
